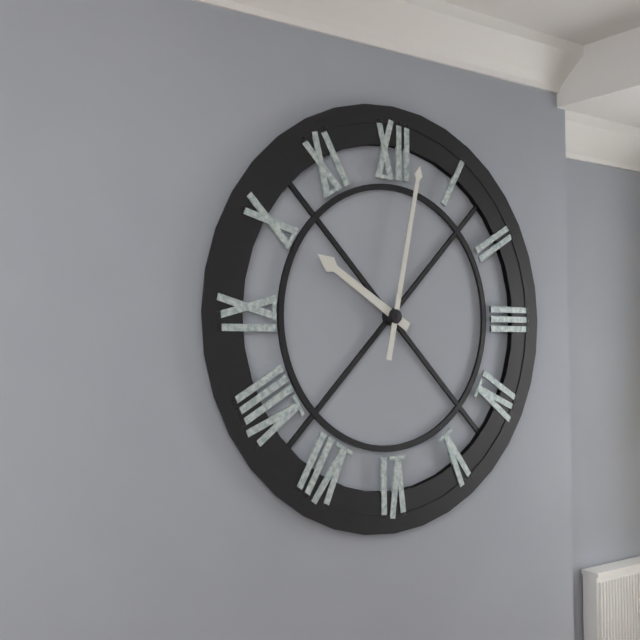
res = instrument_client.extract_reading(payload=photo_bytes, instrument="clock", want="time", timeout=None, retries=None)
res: 10:02
